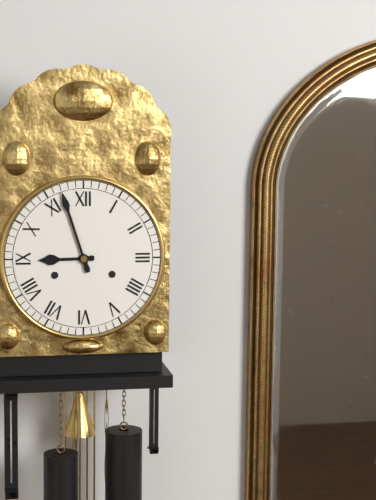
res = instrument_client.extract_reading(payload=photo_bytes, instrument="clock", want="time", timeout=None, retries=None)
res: 8:57
